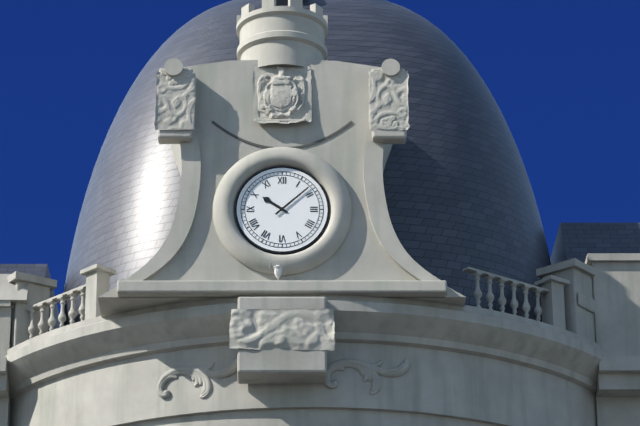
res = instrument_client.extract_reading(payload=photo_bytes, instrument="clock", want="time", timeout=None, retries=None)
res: 10:08
